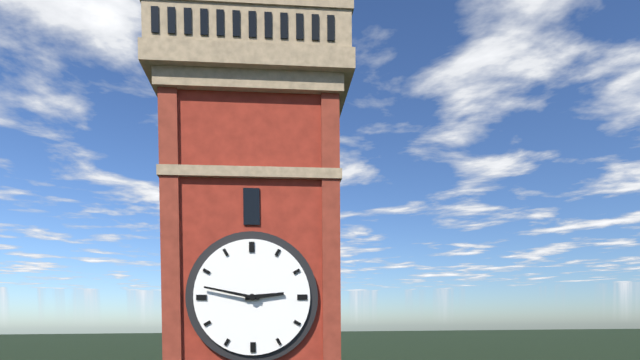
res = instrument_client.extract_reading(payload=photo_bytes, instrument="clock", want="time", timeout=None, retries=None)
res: 2:47
